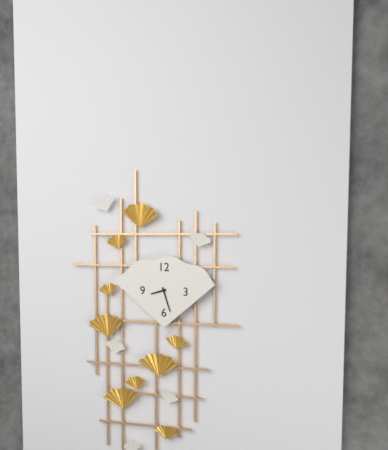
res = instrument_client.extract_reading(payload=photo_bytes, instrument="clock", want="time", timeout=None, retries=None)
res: 8:27
